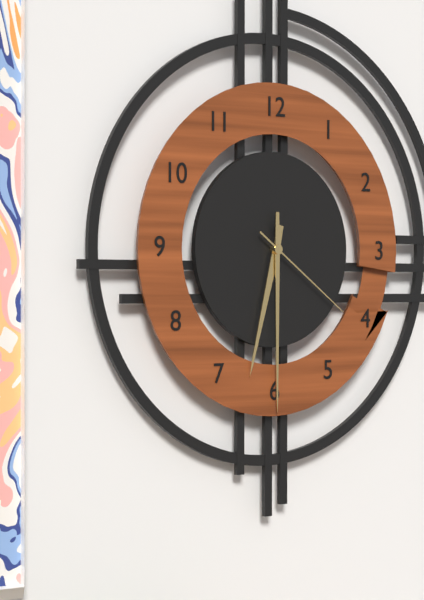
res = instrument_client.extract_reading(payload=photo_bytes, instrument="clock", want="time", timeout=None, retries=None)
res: 6:30:21
